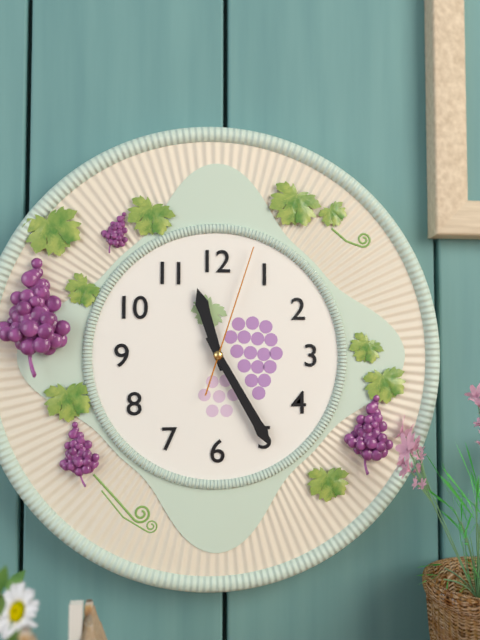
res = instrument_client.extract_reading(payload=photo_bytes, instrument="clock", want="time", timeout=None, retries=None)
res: 11:25:03
